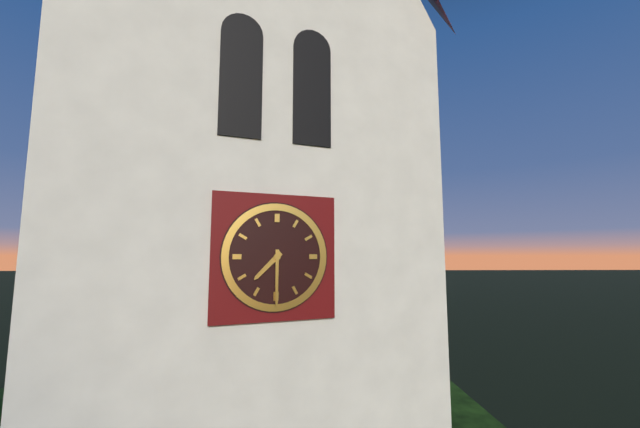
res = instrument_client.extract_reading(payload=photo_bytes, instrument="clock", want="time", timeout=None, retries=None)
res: 7:30
